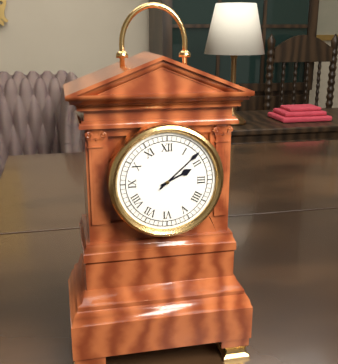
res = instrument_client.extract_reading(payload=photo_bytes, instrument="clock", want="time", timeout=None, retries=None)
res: 2:08
